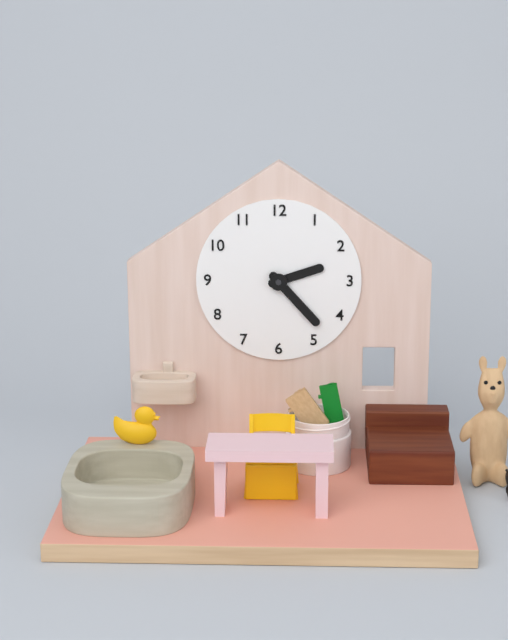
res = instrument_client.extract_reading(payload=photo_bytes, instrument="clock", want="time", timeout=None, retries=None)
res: 2:23
